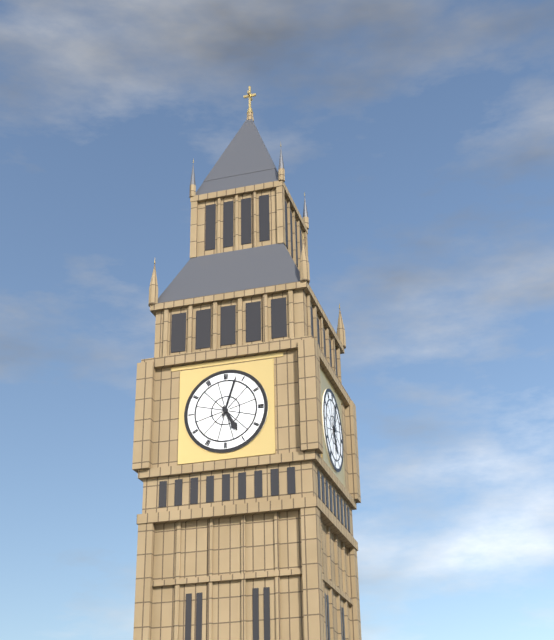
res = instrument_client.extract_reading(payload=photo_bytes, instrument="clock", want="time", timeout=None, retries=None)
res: 5:03
